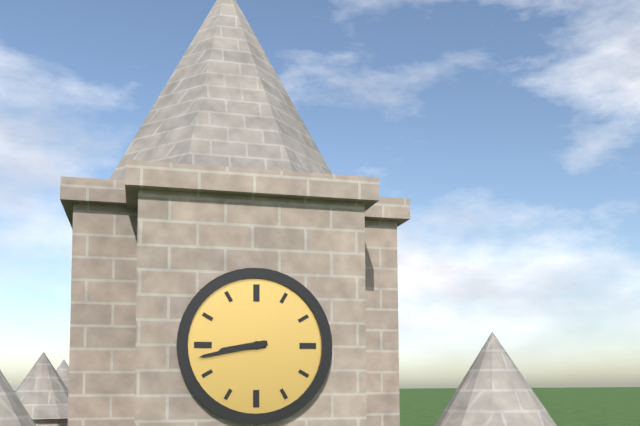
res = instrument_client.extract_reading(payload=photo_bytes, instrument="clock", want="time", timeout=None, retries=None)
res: 8:43
